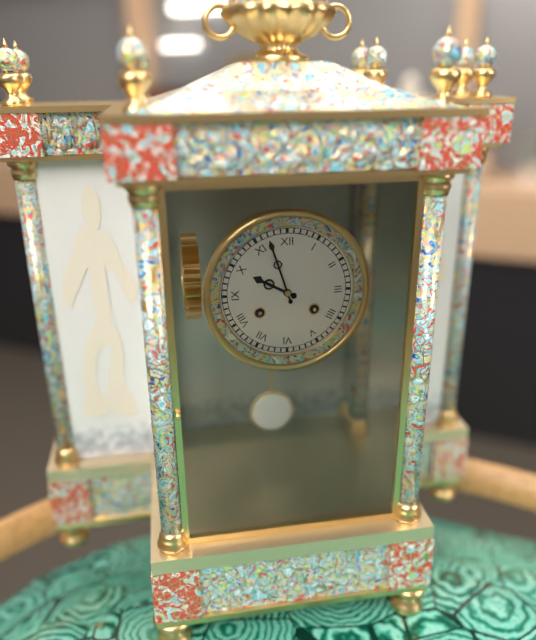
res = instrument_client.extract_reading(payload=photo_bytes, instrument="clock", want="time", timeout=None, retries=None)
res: 9:57
